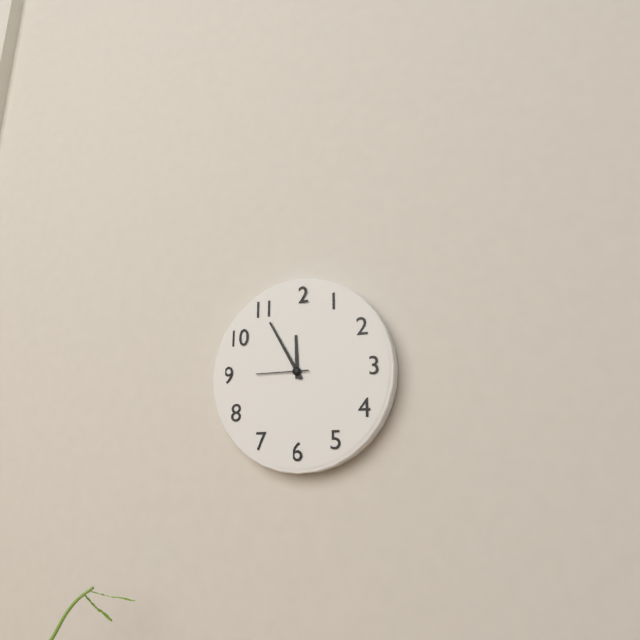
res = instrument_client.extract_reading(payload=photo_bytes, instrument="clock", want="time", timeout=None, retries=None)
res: 11:55:45
